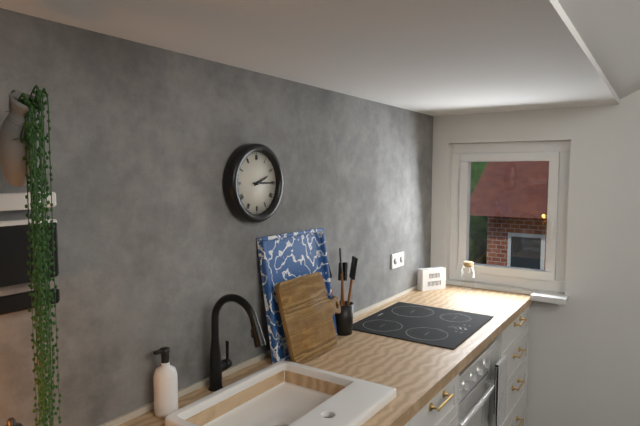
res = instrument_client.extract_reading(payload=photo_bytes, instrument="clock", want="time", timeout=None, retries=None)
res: 2:15
